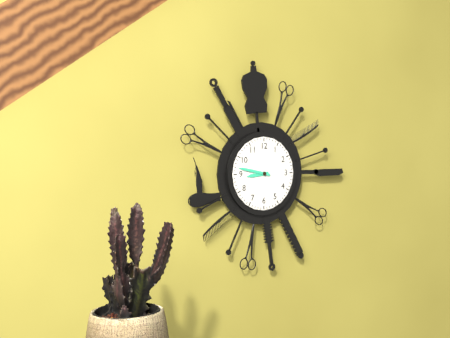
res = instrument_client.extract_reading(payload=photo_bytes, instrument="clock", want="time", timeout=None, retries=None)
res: 8:47
